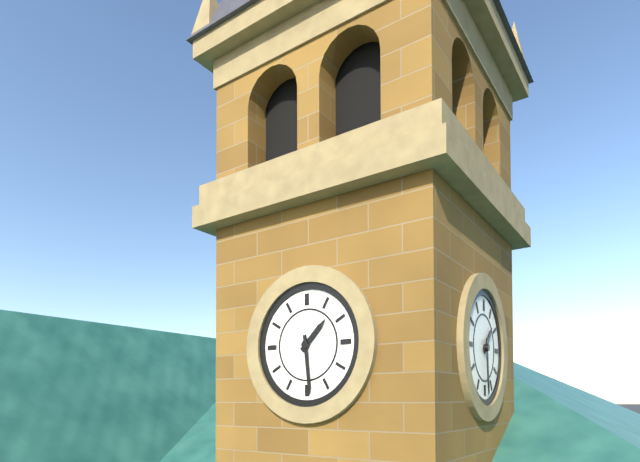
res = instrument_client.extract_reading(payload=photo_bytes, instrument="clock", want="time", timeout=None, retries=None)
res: 1:29
